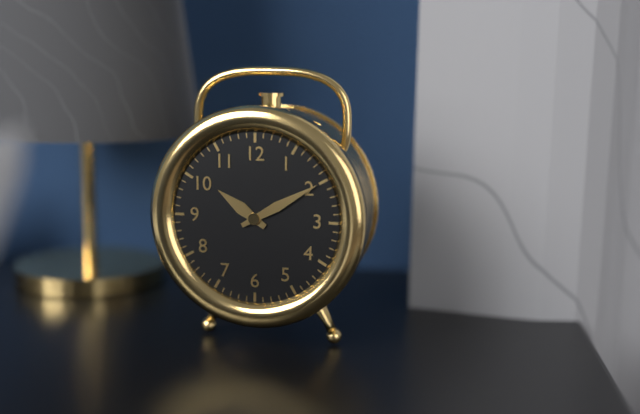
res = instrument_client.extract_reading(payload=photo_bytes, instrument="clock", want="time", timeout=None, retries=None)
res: 10:10
